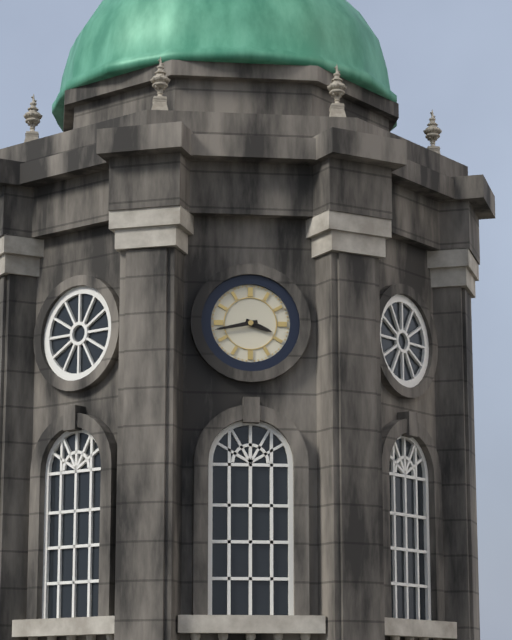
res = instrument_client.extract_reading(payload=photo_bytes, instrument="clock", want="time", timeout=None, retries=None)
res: 3:43
